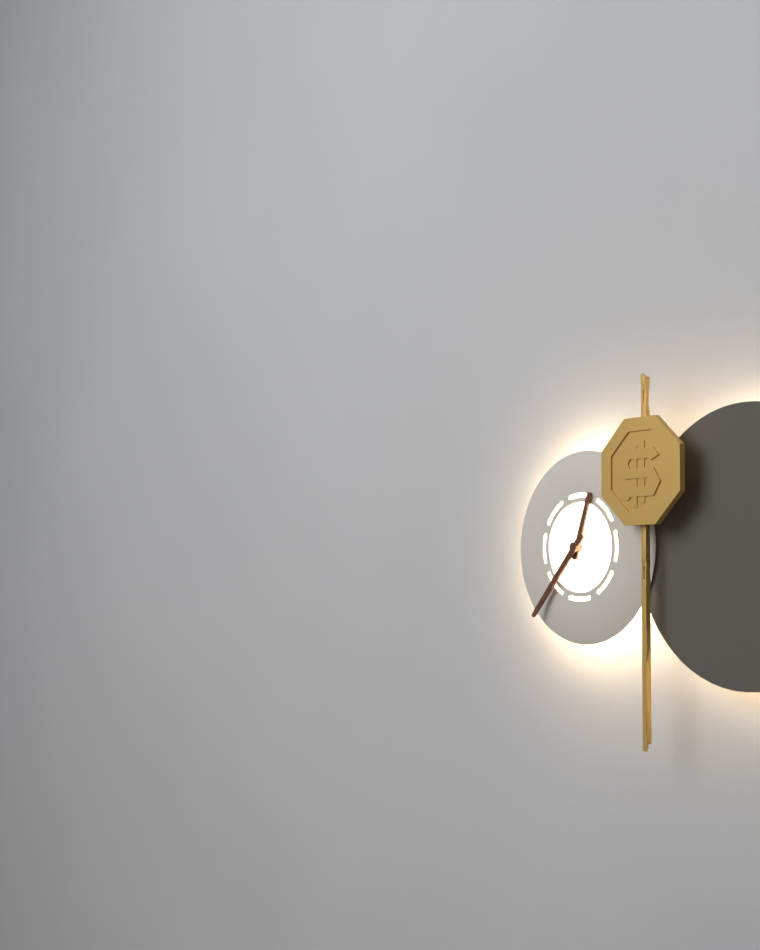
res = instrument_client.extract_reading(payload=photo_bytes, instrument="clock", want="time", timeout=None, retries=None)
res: 12:37
